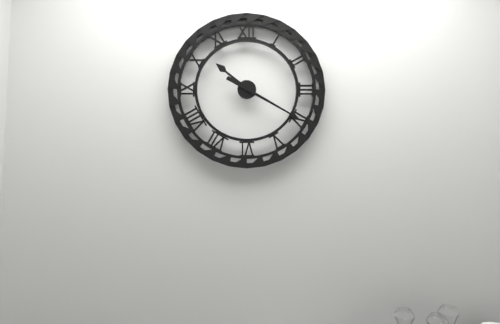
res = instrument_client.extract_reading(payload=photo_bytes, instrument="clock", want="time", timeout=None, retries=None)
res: 10:20
